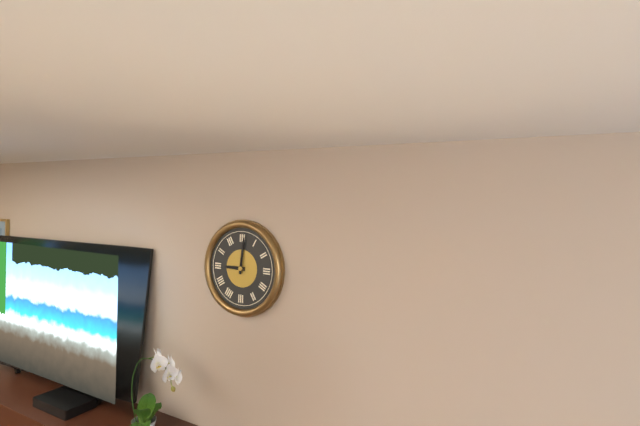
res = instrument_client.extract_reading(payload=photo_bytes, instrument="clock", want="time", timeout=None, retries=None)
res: 9:01
